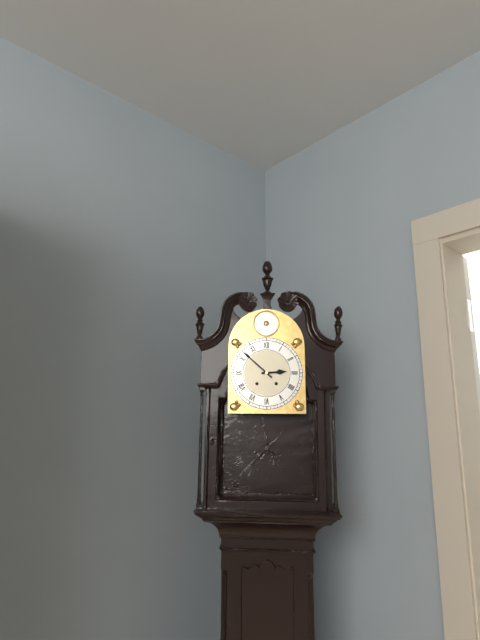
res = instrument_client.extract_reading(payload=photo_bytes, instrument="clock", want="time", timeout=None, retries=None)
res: 2:52
